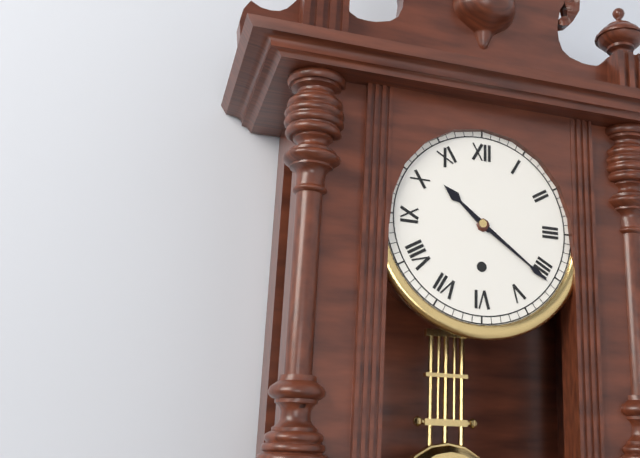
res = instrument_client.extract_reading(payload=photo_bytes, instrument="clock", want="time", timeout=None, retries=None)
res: 10:21
